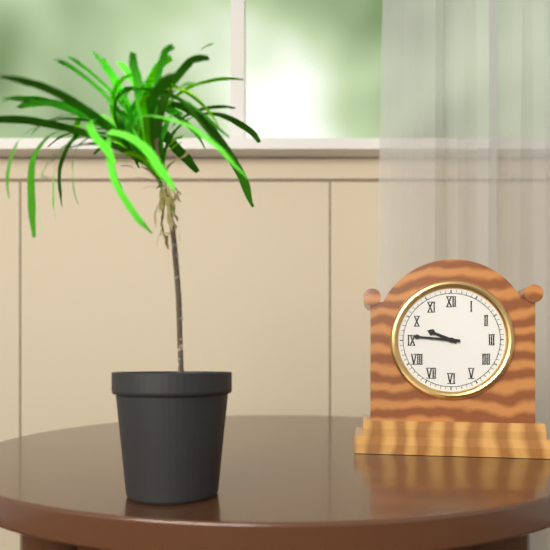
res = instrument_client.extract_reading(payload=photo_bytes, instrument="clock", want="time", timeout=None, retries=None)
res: 9:46
